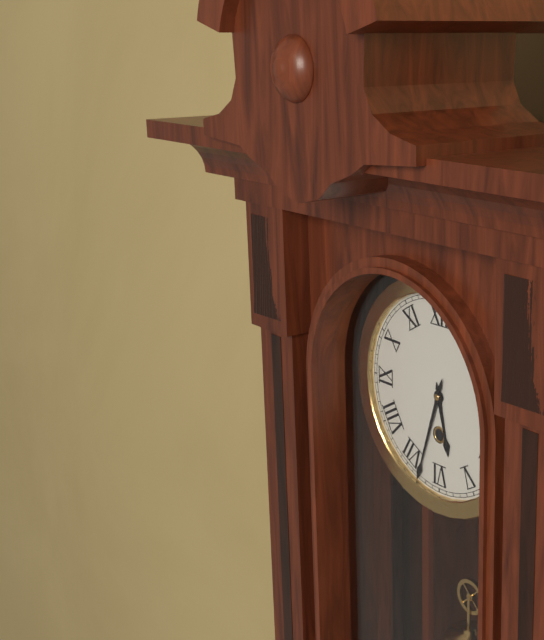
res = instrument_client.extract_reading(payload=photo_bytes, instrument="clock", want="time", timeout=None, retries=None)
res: 5:33
